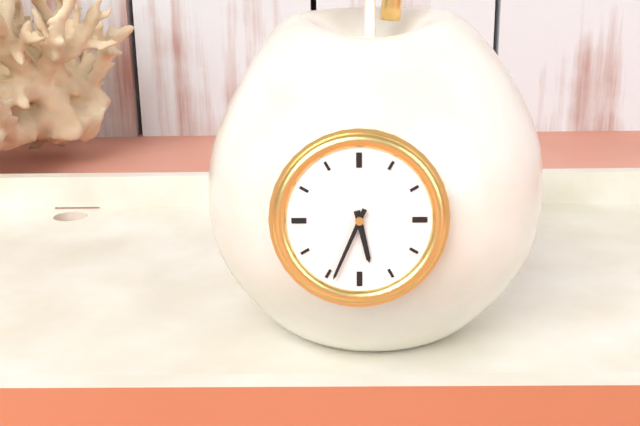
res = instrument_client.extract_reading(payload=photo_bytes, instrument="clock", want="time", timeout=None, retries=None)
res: 5:34
